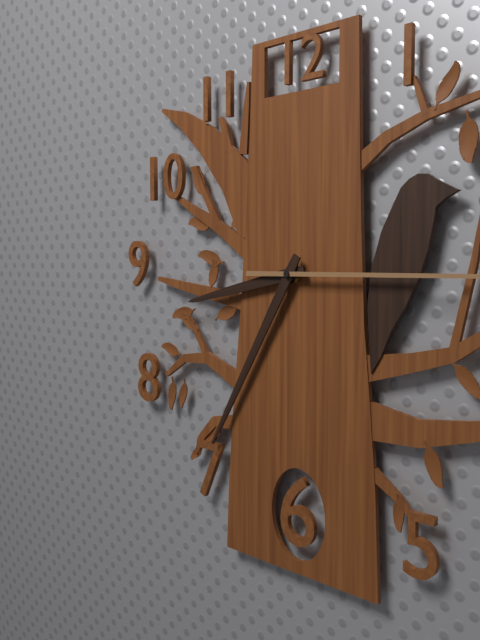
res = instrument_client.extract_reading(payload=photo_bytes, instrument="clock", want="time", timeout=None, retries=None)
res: 8:35
